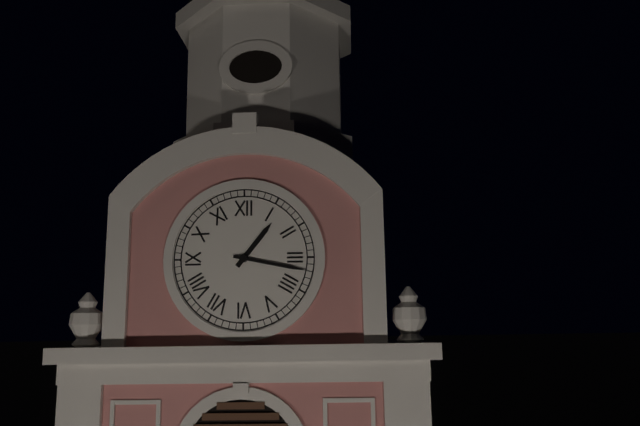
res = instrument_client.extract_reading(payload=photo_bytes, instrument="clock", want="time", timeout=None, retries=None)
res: 1:17
